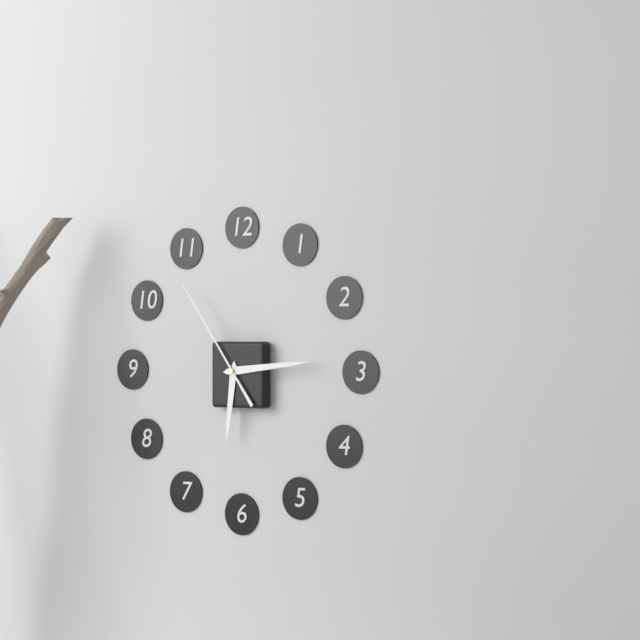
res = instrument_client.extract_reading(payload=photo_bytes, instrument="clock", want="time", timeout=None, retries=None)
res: 6:14:54
